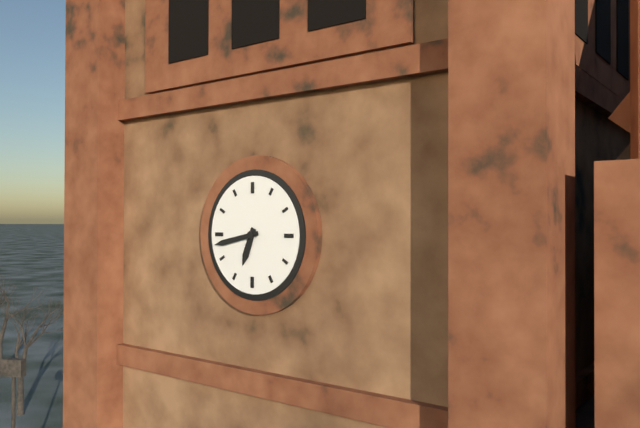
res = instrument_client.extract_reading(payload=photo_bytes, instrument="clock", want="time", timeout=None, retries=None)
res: 6:43
